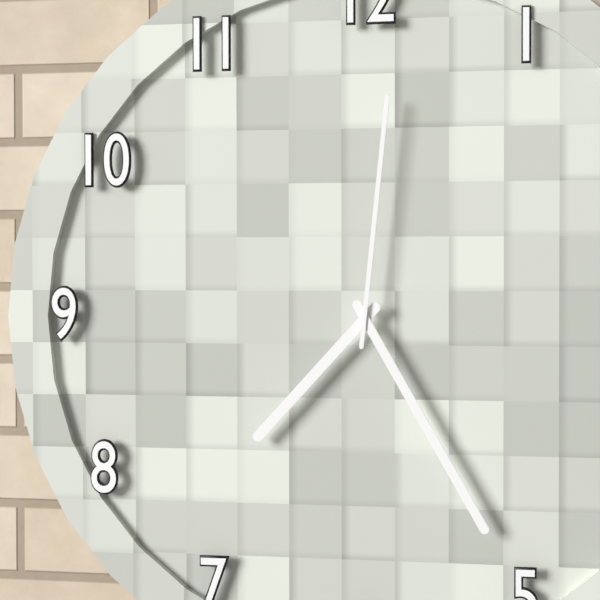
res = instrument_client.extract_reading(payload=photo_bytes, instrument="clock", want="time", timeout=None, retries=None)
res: 7:25:01
